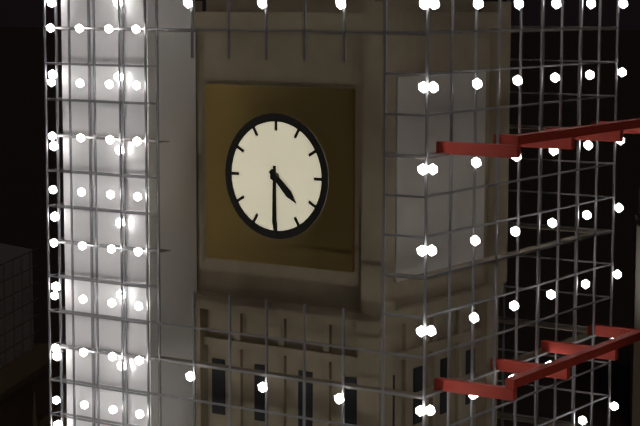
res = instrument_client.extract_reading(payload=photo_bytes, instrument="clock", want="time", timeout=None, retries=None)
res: 4:30
